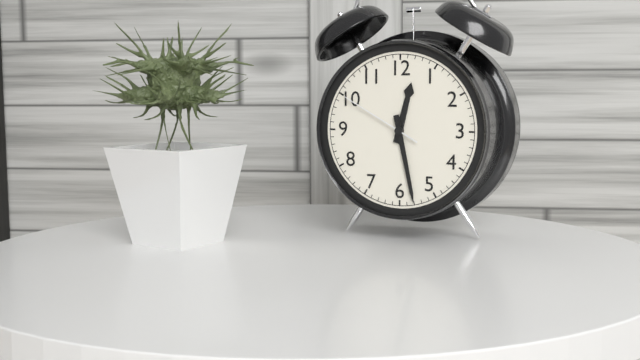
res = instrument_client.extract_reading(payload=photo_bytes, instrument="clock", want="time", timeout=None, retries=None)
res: 12:28:50
